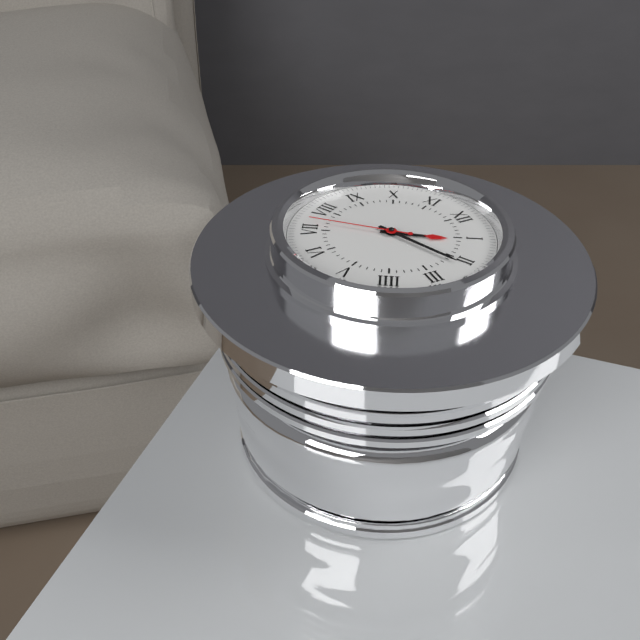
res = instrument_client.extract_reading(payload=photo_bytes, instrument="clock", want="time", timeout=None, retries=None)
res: 1:11:37
